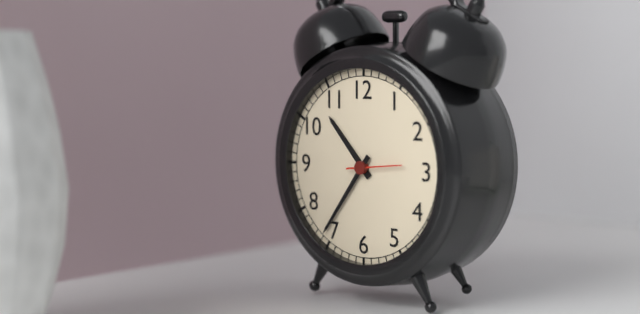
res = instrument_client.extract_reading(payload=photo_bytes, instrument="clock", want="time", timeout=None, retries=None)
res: 10:36
